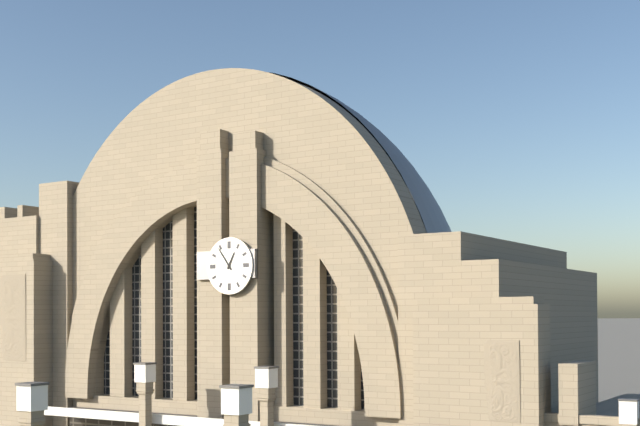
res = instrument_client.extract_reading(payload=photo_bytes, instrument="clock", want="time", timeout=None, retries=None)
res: 12:54
